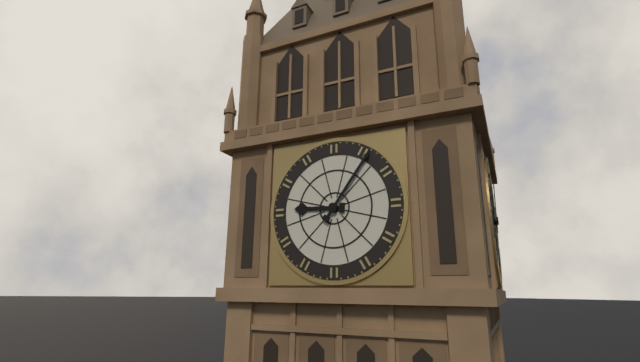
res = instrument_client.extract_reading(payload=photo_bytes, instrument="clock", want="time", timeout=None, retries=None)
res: 9:06
